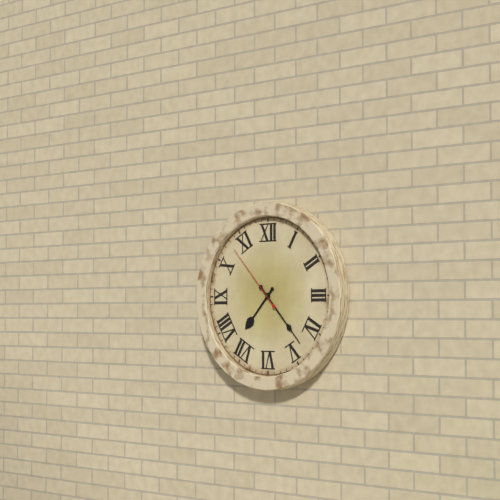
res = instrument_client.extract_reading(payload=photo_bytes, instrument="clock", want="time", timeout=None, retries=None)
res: 7:23:53
